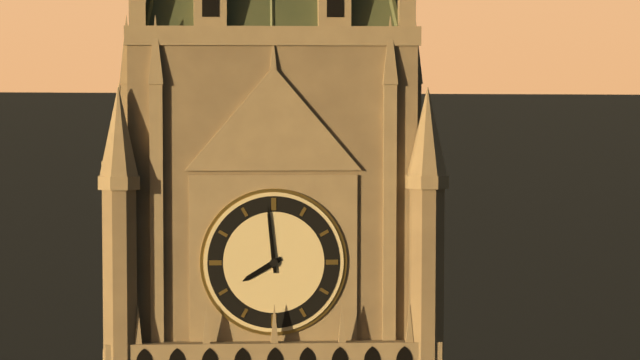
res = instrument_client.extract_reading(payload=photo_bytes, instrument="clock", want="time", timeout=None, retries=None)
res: 7:59
